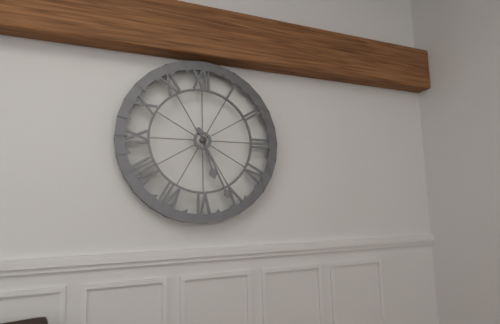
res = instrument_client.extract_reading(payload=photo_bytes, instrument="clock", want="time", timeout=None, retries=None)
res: 5:26
